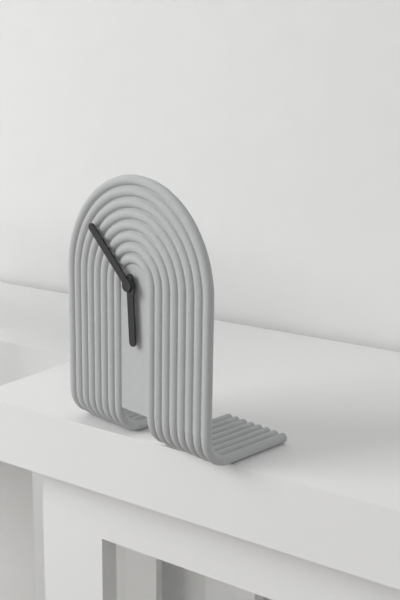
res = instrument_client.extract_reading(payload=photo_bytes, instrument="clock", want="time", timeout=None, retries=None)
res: 5:52
